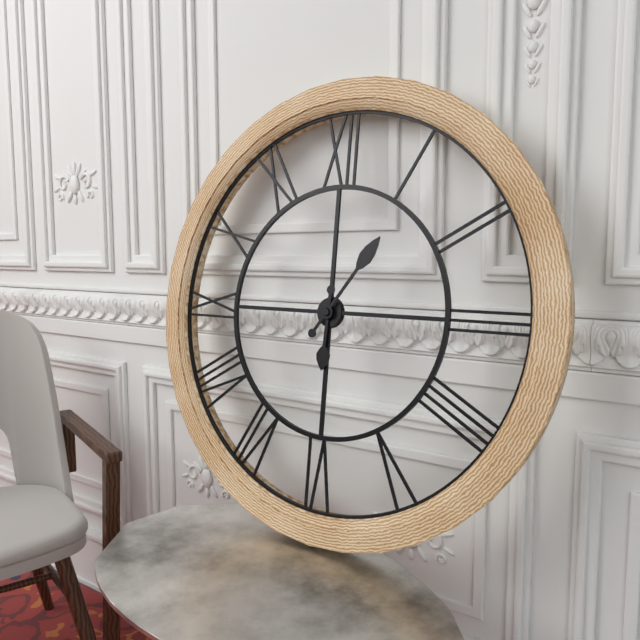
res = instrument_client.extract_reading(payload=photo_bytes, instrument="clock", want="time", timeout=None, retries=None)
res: 6:06
